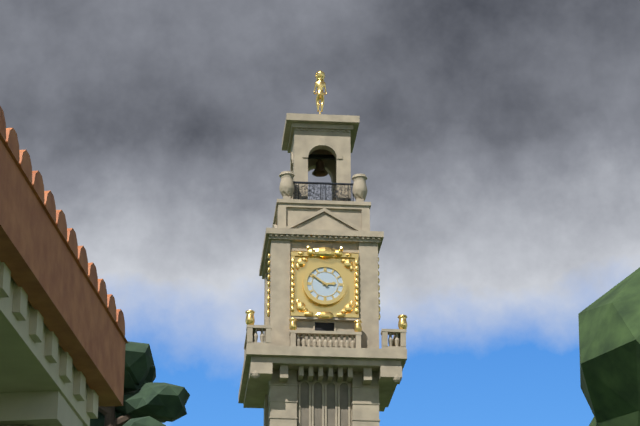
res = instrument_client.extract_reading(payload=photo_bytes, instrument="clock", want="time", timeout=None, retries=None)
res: 2:51
